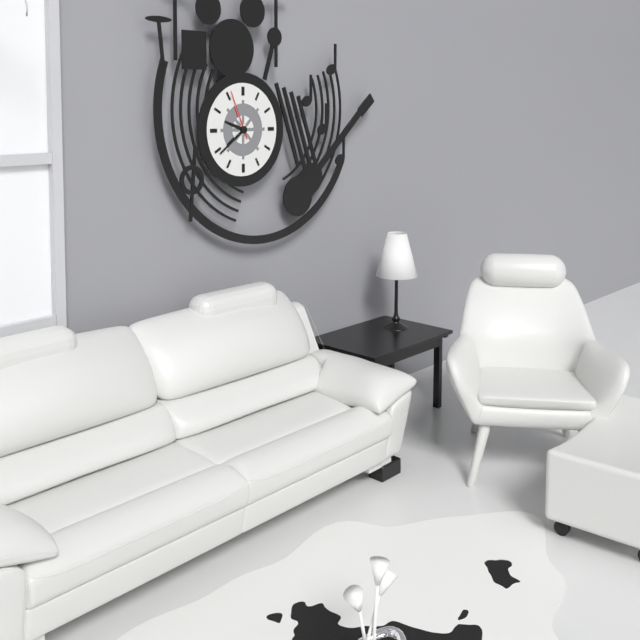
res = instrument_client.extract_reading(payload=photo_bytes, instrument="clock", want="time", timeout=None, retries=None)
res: 9:39
